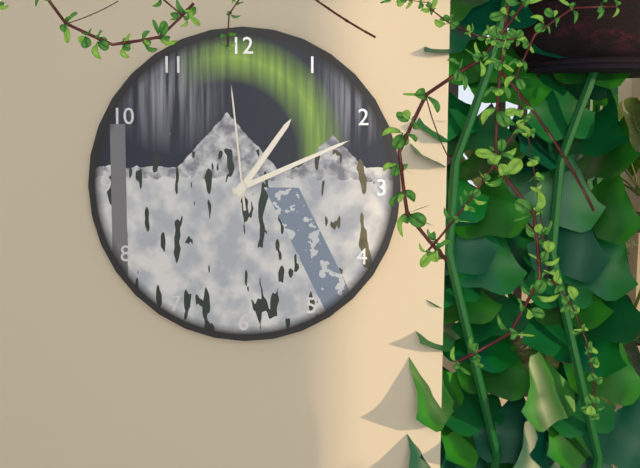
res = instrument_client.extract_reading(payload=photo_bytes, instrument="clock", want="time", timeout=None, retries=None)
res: 1:11:59
